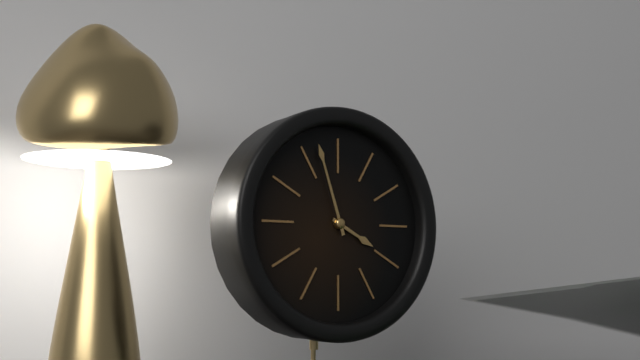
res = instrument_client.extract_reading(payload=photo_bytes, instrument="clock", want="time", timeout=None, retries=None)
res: 3:57
